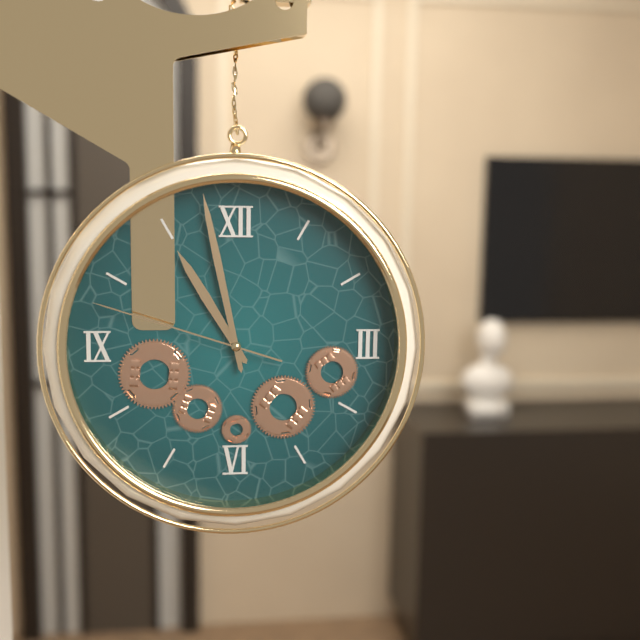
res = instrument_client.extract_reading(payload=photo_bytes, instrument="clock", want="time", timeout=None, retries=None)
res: 10:58:48
